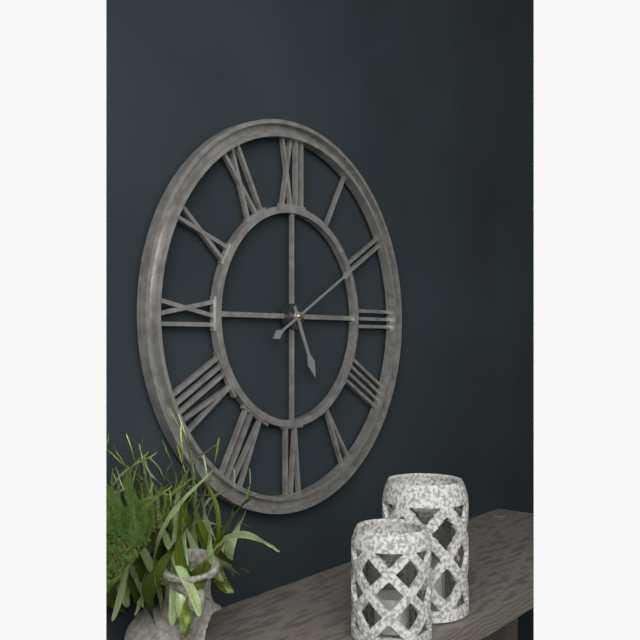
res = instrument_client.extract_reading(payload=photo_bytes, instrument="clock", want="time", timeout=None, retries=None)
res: 5:10
